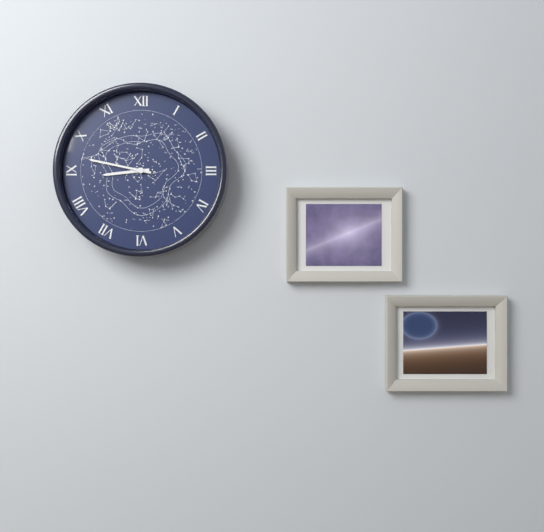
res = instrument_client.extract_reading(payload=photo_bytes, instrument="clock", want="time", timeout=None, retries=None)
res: 8:47
